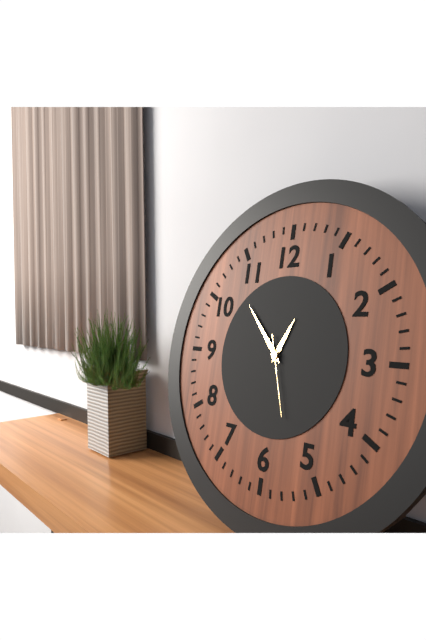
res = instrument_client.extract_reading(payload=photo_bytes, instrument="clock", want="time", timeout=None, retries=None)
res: 12:53:27
